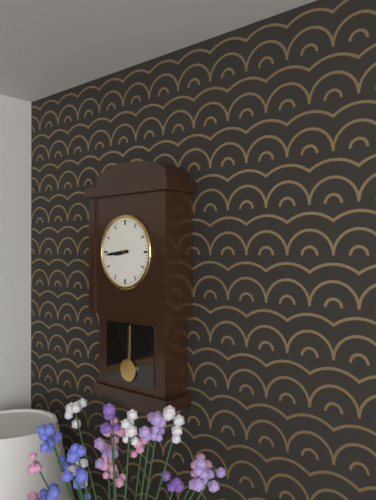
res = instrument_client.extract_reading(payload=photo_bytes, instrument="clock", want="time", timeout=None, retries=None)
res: 8:44
